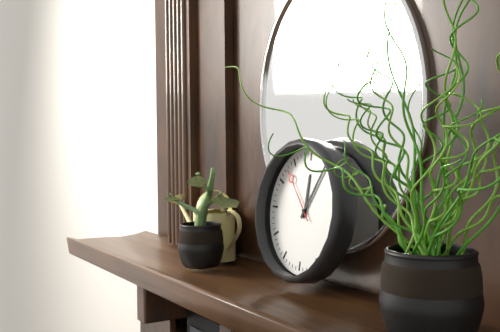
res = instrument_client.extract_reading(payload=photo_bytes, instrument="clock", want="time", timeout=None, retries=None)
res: 12:05:53
